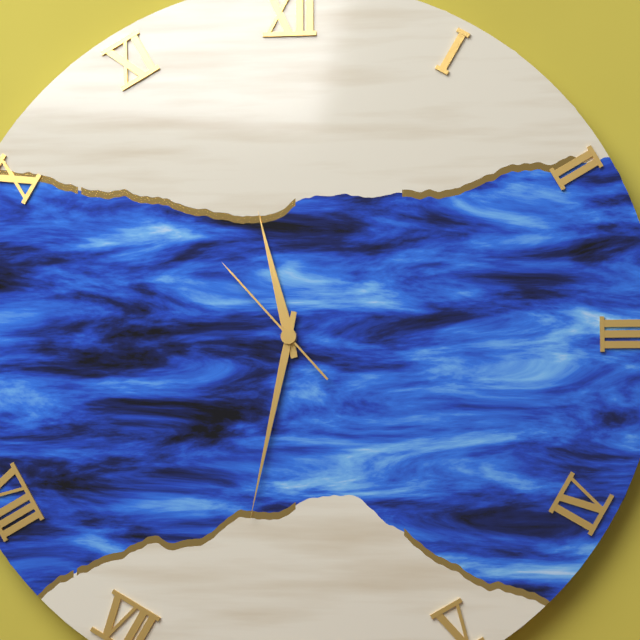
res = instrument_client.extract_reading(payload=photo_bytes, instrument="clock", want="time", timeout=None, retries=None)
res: 11:32:53
